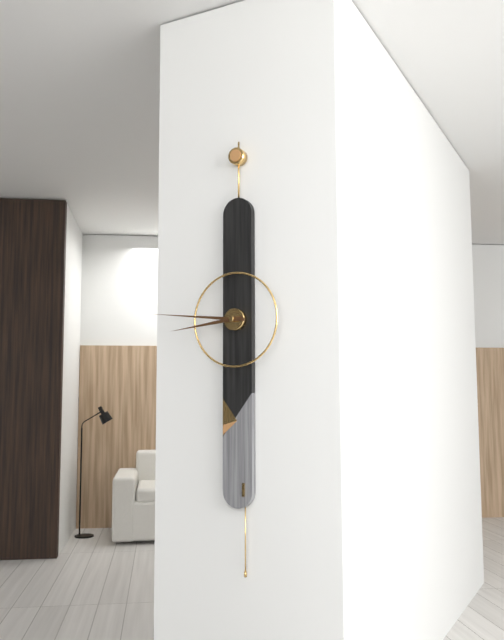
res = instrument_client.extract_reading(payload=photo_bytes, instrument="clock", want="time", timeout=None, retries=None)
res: 8:46
